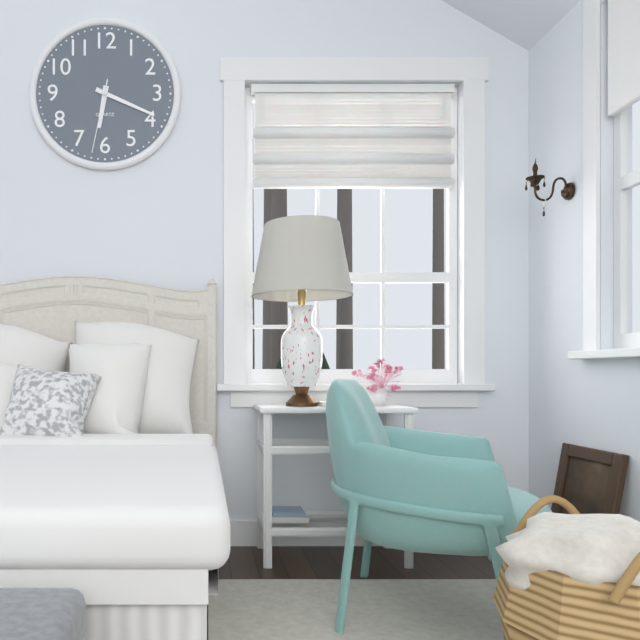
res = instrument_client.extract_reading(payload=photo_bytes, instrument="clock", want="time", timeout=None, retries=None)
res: 6:19:32
